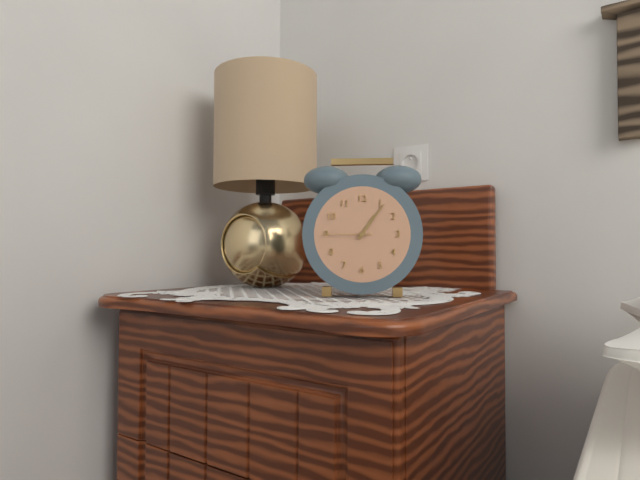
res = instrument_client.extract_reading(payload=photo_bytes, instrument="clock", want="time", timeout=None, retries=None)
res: 1:06:45
